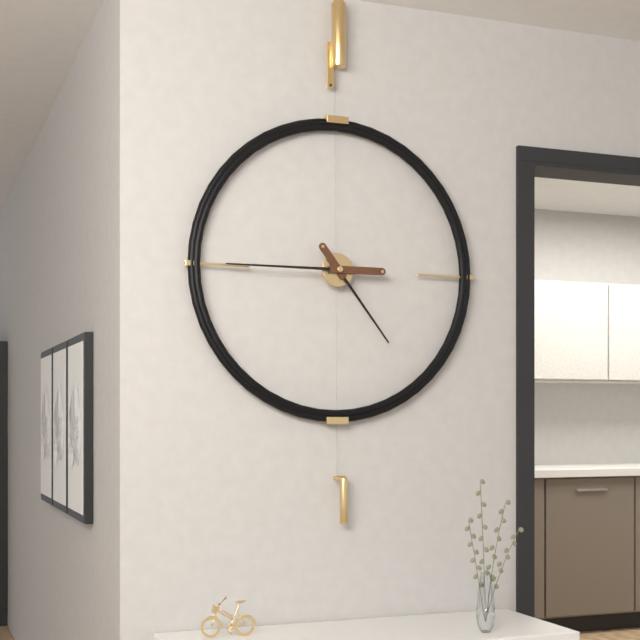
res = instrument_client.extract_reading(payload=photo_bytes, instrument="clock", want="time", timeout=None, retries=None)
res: 4:45
